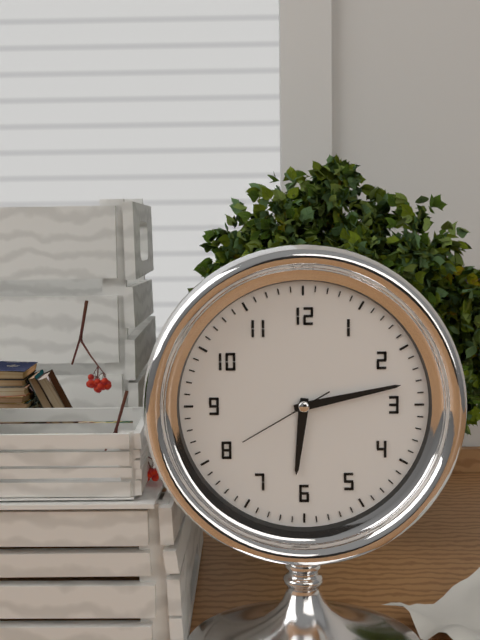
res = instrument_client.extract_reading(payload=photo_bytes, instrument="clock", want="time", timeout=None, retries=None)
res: 6:13:40
